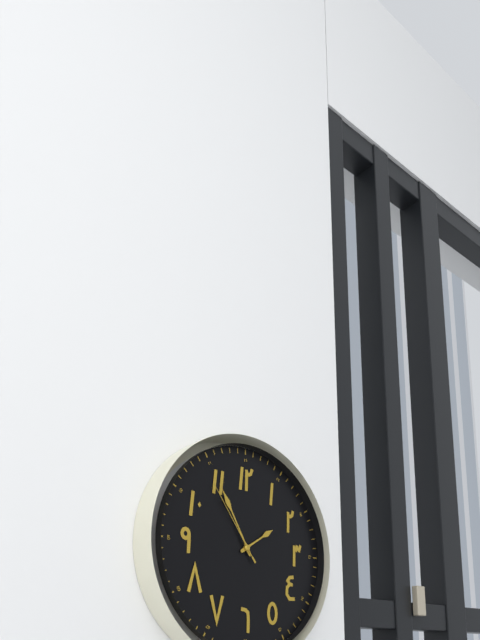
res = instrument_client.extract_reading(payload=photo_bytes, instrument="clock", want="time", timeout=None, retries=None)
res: 1:55:54
